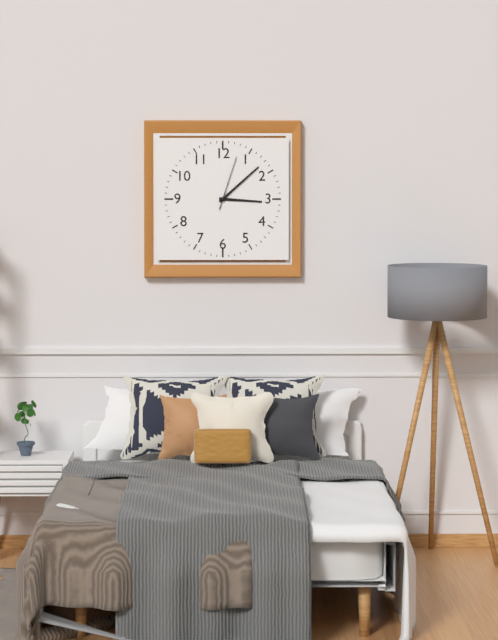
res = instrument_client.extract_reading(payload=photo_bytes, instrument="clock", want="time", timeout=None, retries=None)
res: 3:08:03
